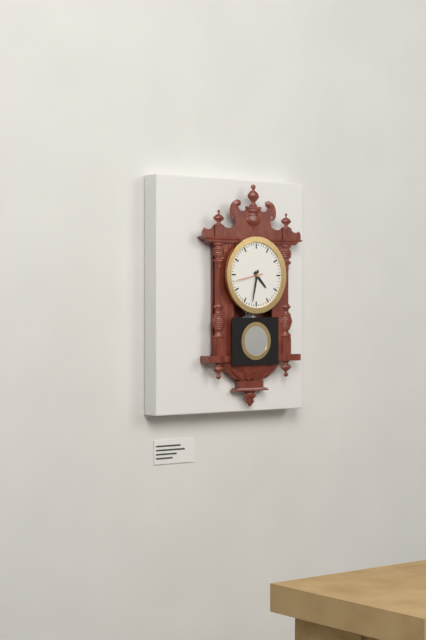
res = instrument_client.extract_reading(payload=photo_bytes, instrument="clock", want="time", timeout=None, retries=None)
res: 4:32
